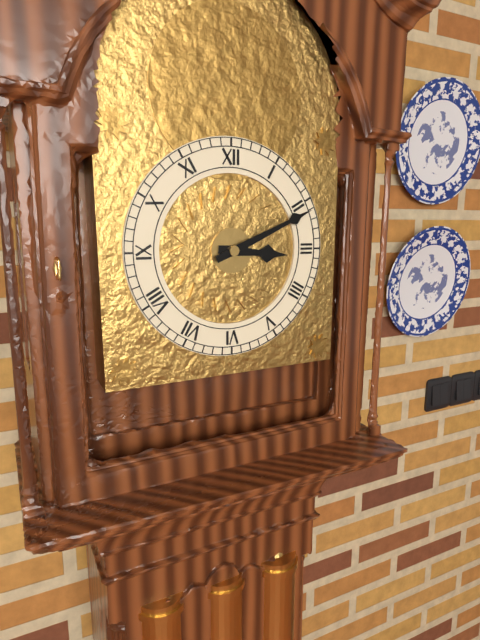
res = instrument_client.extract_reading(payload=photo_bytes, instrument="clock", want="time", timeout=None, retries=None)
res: 3:11
